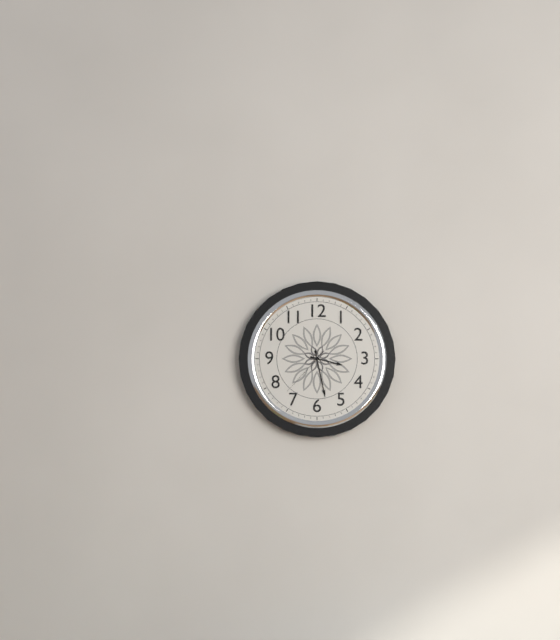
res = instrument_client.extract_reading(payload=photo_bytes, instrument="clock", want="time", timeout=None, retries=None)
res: 3:28:37
